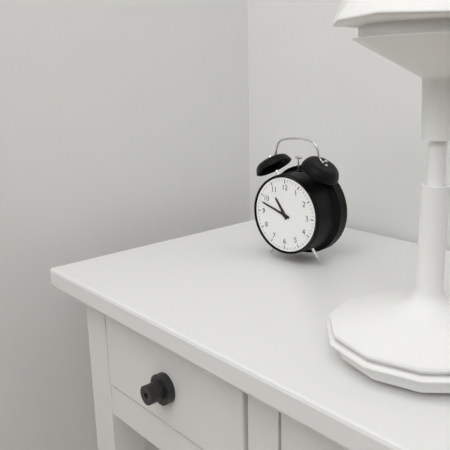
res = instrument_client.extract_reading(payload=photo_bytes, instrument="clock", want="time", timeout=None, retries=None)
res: 10:48
